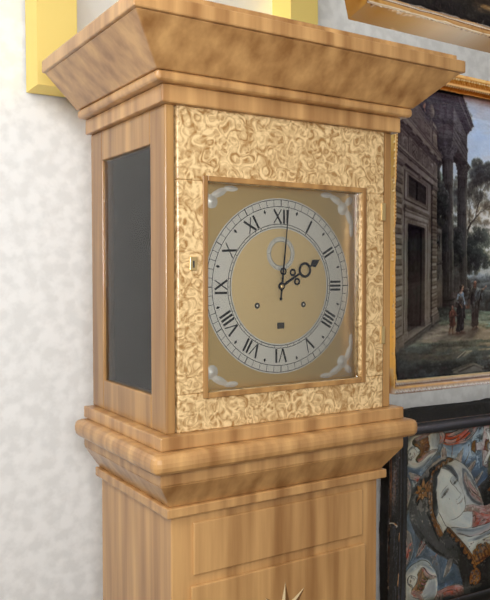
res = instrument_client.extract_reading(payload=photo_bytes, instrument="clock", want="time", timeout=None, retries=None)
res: 2:01
